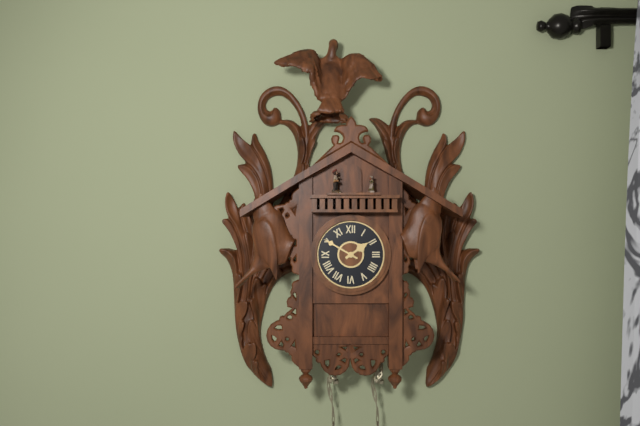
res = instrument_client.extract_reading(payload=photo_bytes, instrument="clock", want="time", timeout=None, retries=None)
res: 1:50
